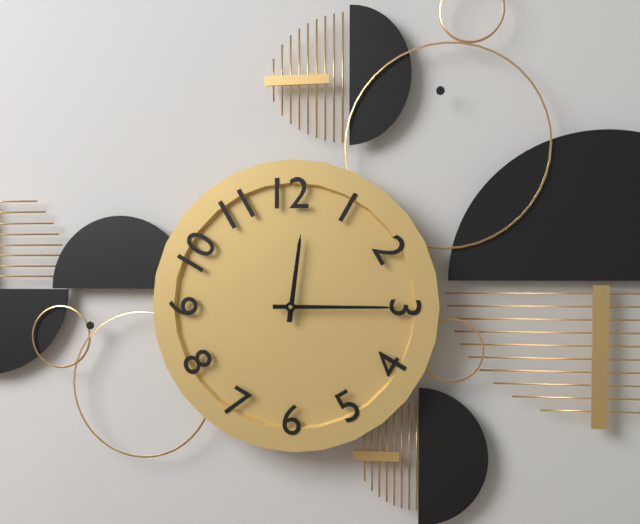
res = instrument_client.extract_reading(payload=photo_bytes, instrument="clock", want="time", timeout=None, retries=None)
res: 12:15
